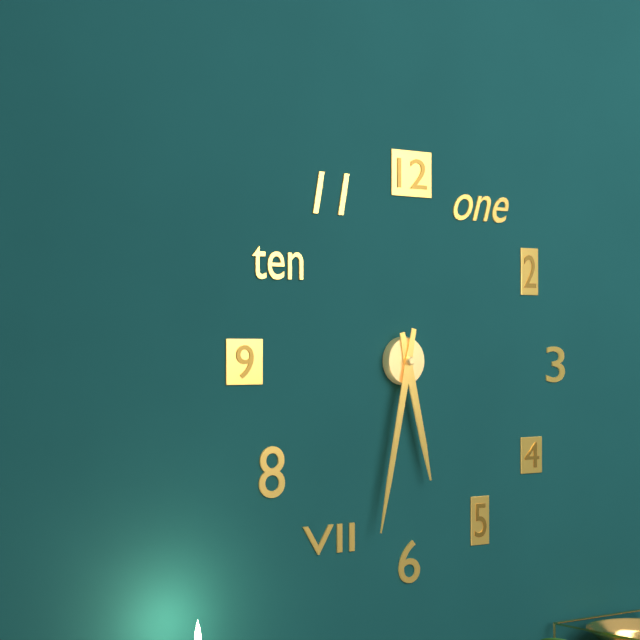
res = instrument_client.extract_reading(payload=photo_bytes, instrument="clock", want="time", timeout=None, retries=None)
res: 5:32
